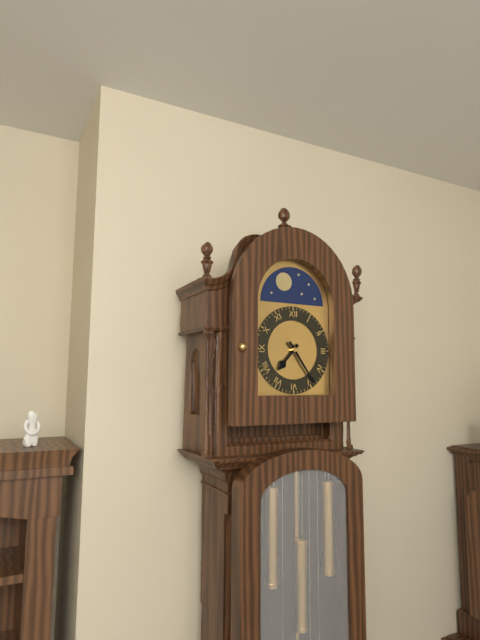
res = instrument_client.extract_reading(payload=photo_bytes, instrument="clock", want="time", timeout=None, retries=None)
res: 7:24
